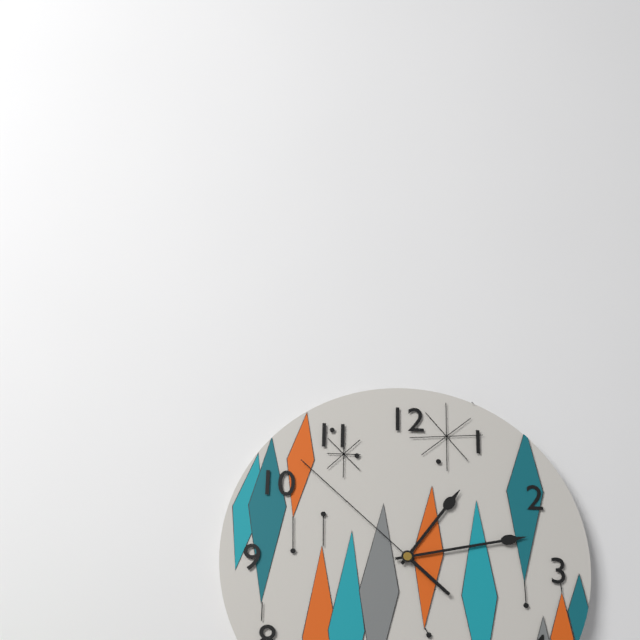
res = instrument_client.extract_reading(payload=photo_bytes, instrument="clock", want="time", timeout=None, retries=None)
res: 1:13:52
